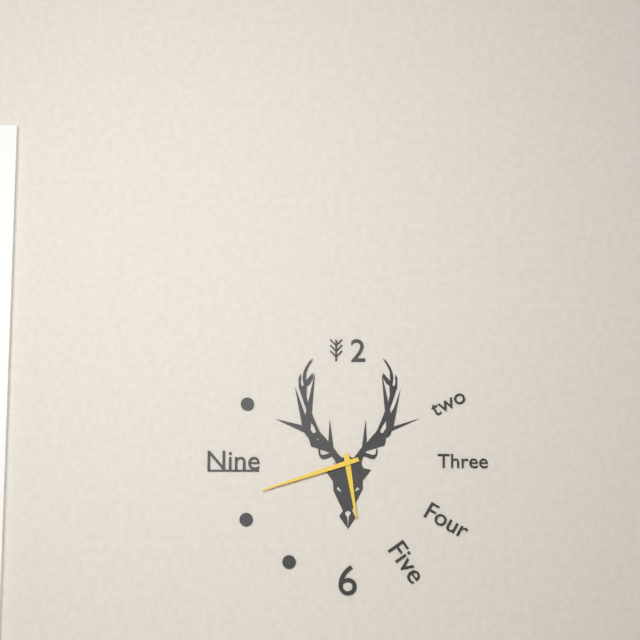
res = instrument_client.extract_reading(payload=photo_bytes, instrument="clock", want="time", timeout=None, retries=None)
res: 5:42
